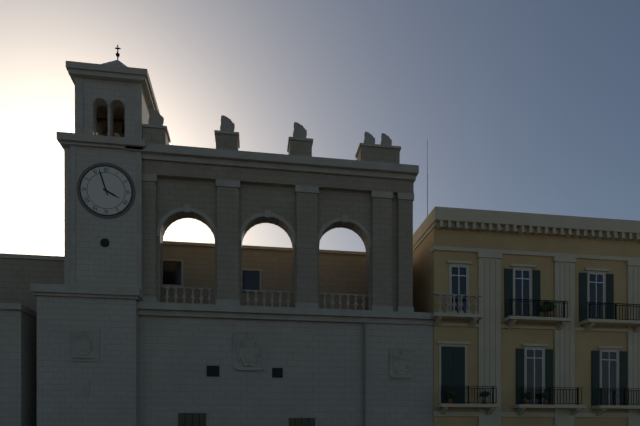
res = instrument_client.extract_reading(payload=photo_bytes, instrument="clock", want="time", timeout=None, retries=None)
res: 3:57
